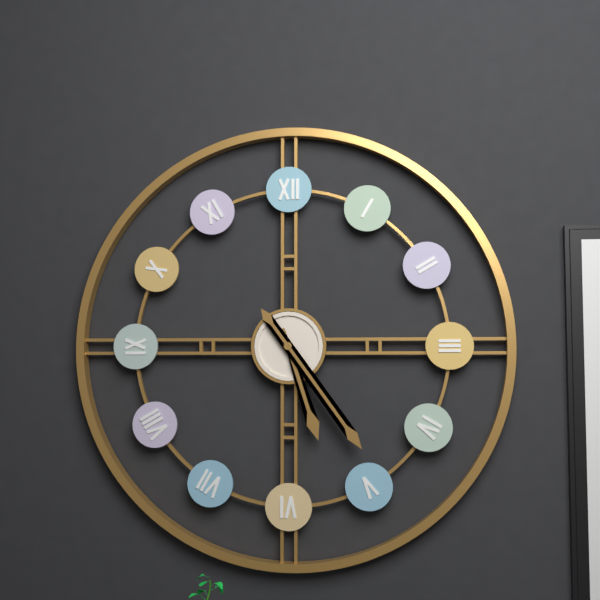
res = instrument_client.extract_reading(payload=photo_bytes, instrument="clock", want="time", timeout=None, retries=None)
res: 5:24
